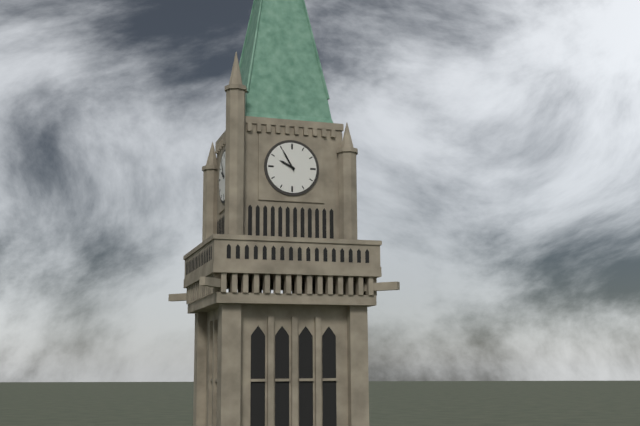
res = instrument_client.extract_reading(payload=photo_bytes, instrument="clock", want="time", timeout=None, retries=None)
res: 9:55
